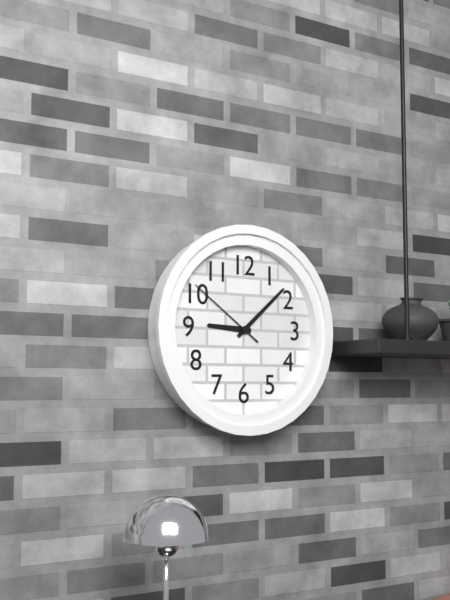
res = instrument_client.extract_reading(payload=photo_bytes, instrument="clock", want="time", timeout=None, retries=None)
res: 9:08:51
